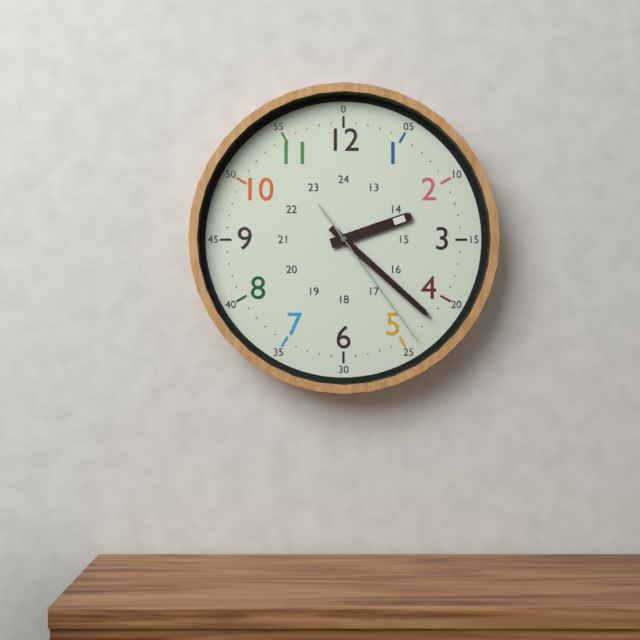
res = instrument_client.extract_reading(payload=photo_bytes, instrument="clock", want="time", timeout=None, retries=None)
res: 2:22:24
